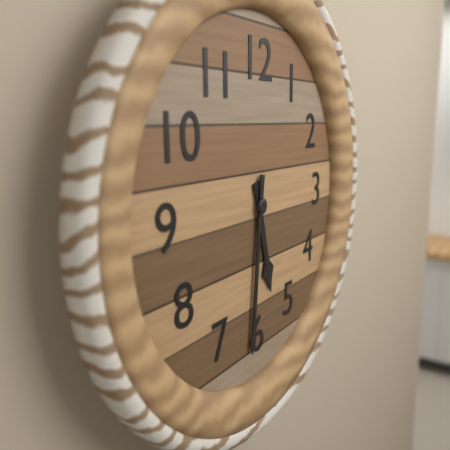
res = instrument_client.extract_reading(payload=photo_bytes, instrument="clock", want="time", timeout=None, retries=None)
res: 5:31
